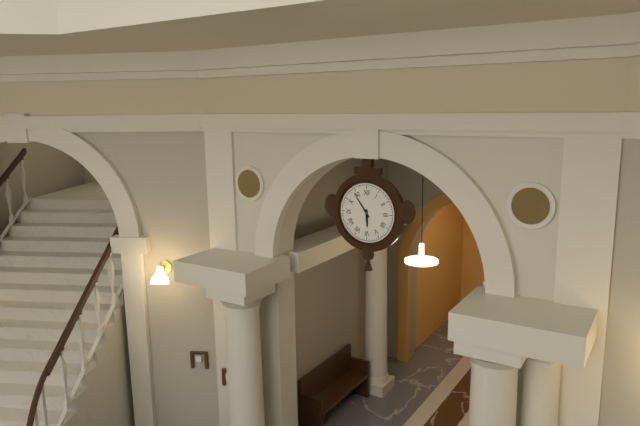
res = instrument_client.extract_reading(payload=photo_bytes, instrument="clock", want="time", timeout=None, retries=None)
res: 5:54
